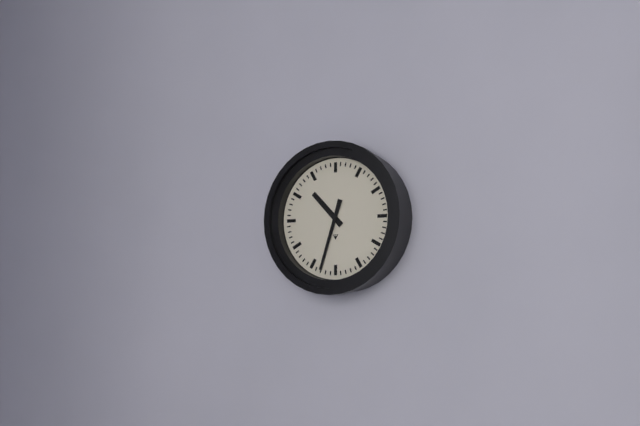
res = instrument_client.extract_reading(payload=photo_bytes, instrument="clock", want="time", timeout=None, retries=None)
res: 10:33
